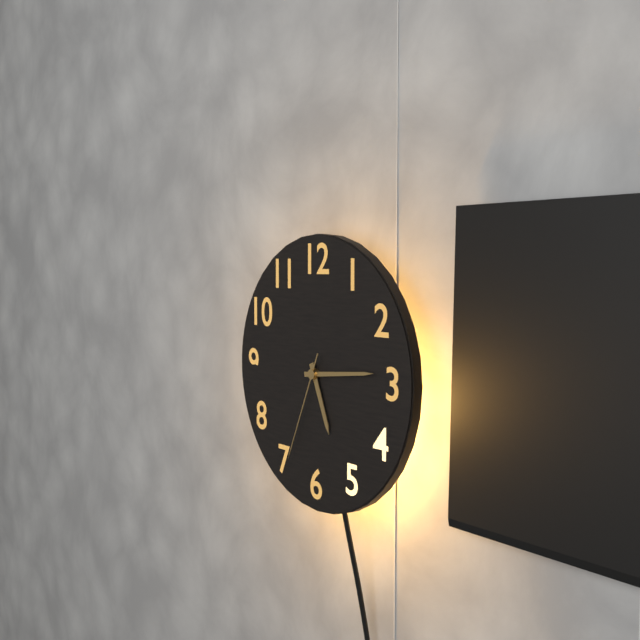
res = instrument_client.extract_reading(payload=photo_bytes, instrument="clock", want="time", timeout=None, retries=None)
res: 5:14:34
